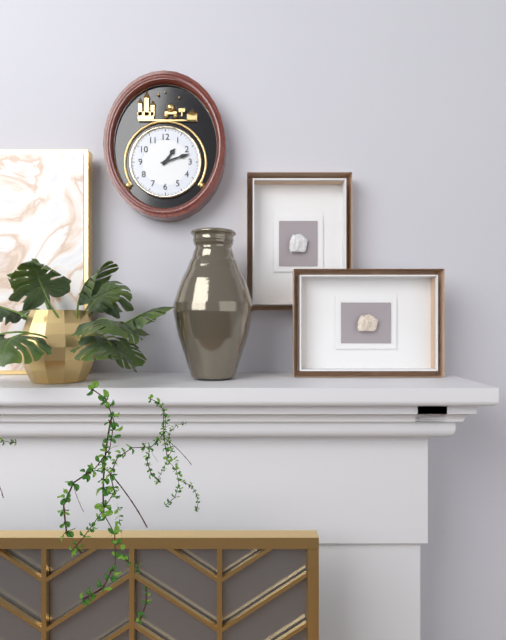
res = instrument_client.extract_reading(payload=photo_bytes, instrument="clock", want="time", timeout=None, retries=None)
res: 1:12
